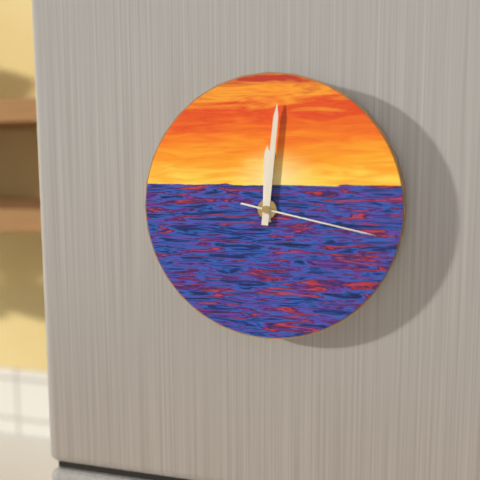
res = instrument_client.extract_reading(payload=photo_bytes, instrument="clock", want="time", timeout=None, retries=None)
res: 12:01:17
